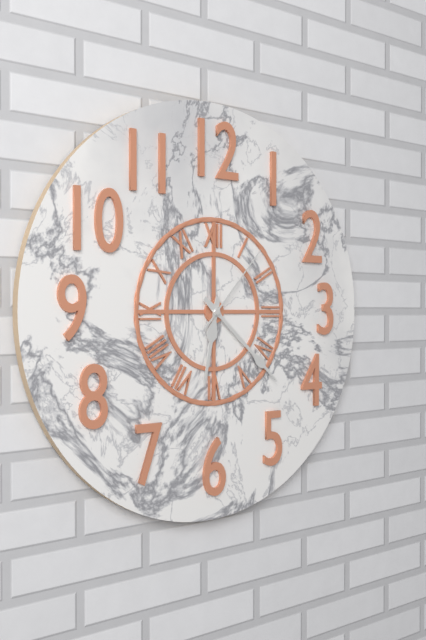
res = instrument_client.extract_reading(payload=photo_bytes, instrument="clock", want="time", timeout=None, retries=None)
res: 6:22:07
